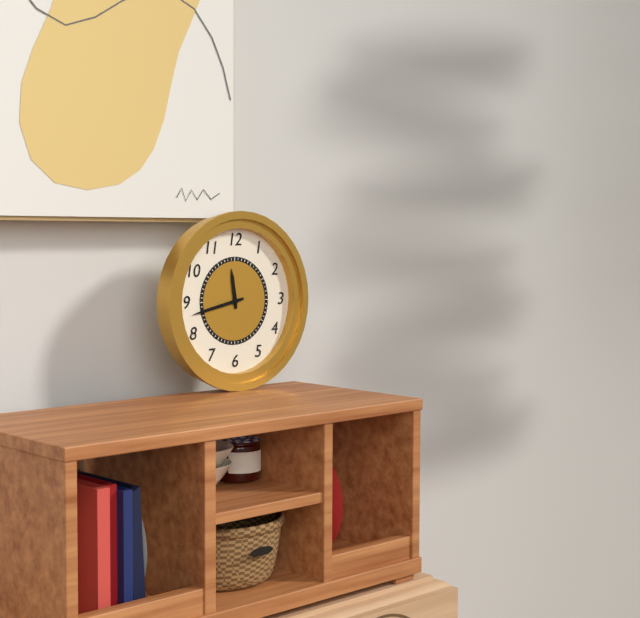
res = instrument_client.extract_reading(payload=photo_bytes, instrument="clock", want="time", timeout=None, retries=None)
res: 11:43
